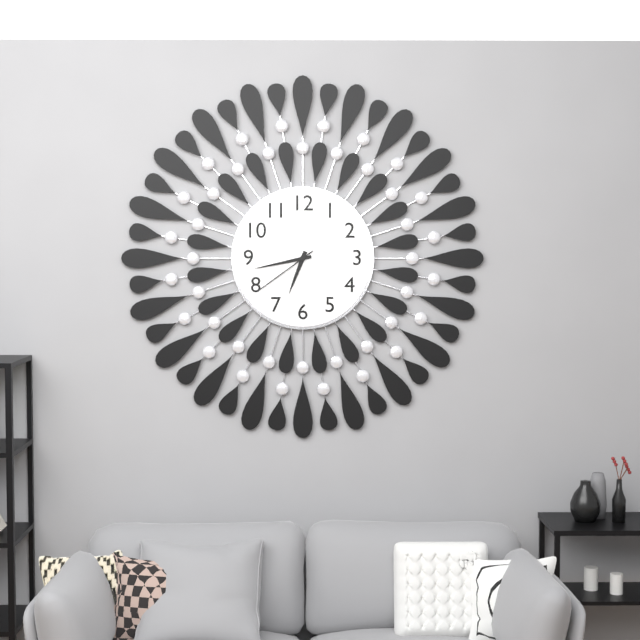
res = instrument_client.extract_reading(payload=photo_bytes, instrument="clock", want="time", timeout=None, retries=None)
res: 6:43:39
